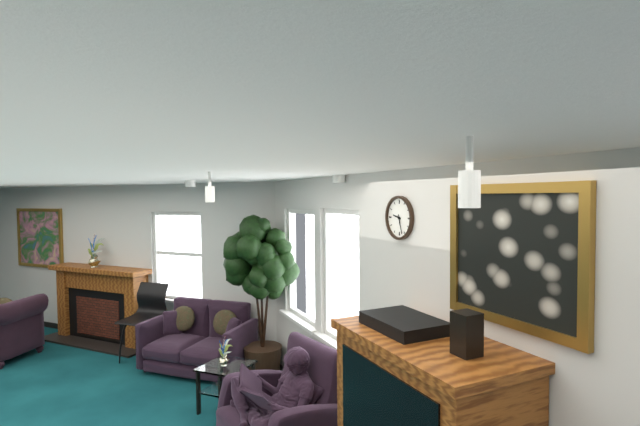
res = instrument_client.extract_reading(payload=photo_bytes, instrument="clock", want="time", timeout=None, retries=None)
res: 9:27
